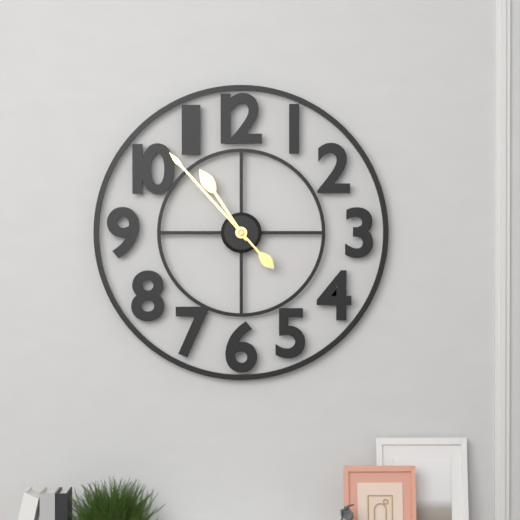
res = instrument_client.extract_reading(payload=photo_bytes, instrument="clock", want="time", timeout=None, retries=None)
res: 10:53
